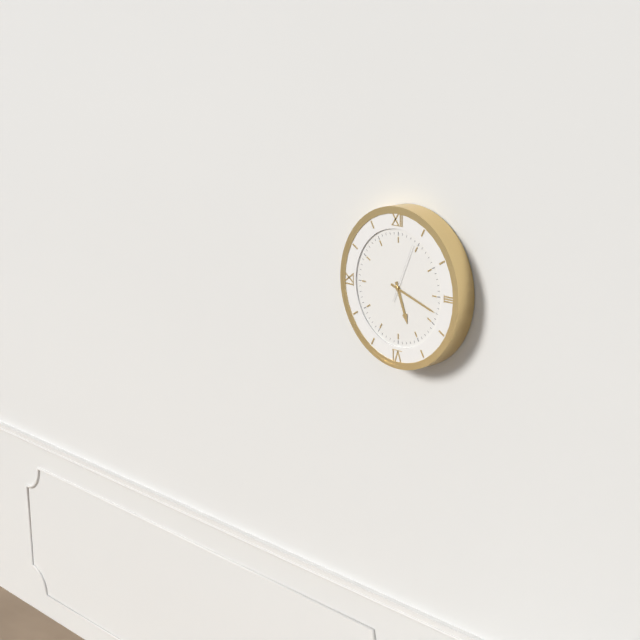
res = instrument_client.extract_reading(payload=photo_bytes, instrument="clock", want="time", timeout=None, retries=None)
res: 5:18:04
